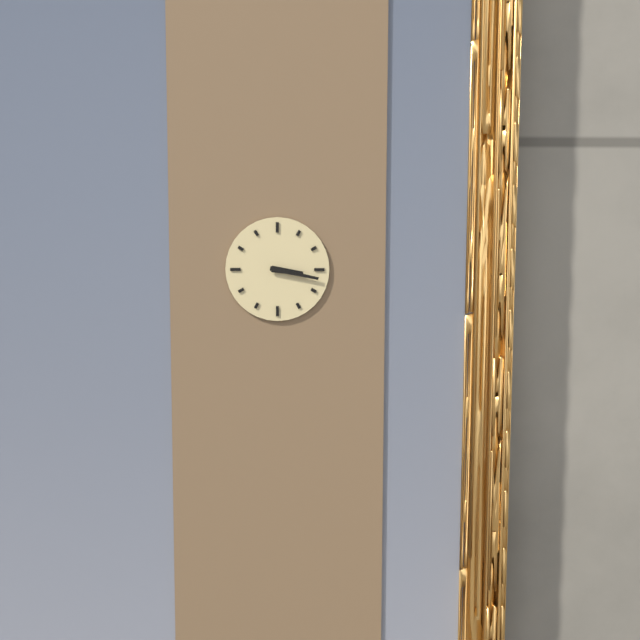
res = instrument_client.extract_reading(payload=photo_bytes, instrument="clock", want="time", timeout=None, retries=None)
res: 3:17
